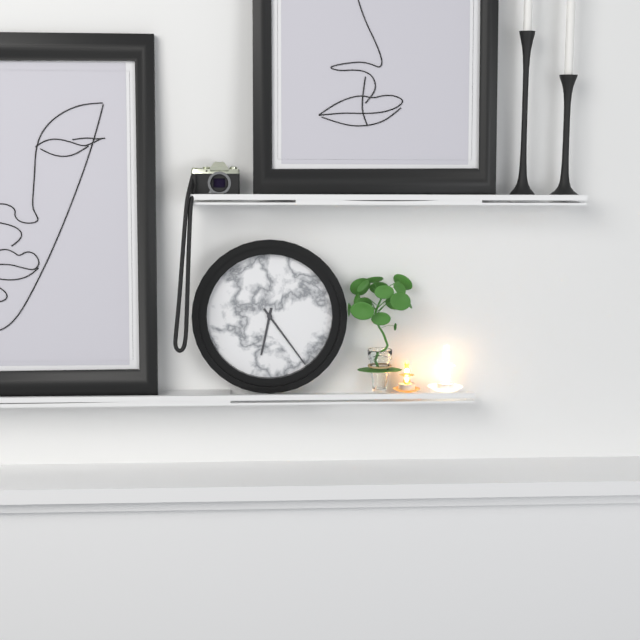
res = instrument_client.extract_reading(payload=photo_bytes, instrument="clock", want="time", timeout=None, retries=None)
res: 6:24
